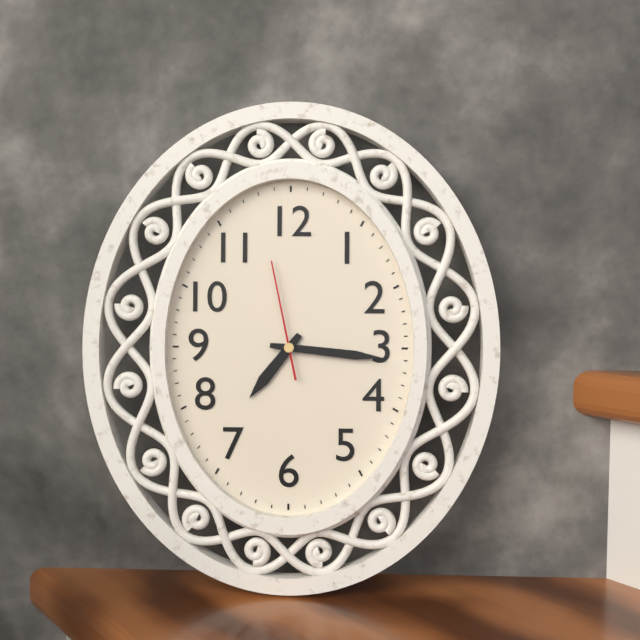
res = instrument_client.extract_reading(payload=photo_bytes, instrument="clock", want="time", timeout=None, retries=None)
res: 7:16:58
